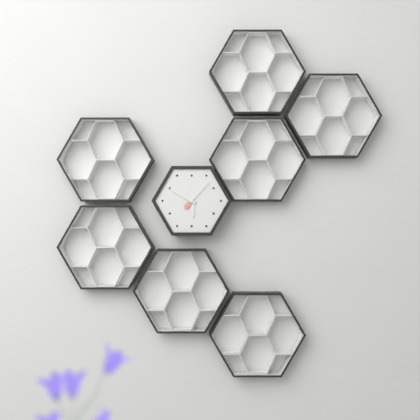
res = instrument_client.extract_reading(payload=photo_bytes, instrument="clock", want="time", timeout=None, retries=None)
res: 5:50
